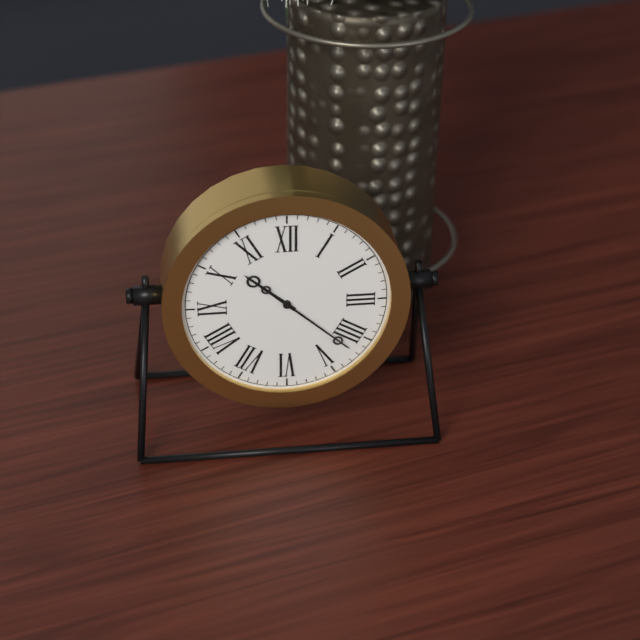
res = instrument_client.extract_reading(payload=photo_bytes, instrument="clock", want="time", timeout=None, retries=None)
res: 10:22
